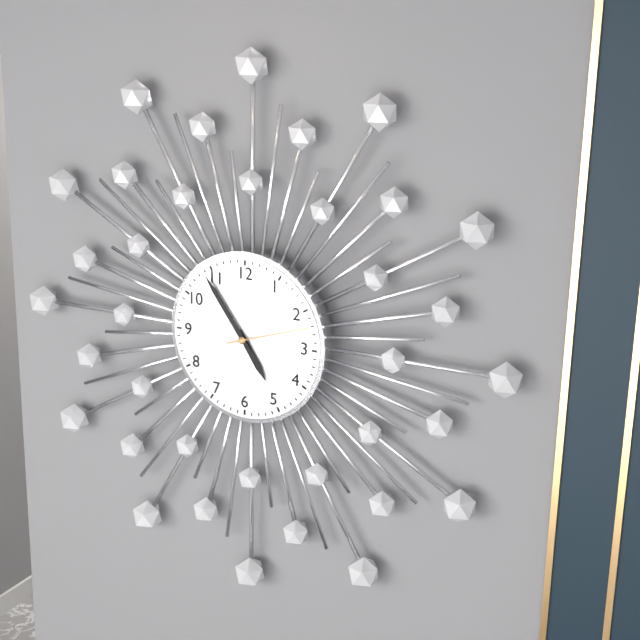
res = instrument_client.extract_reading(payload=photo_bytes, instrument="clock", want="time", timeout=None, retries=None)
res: 4:54:12
